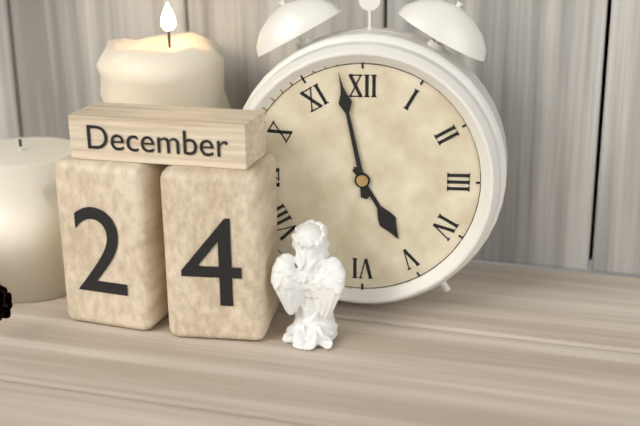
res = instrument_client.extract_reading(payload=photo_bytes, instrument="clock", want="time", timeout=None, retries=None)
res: 4:58
